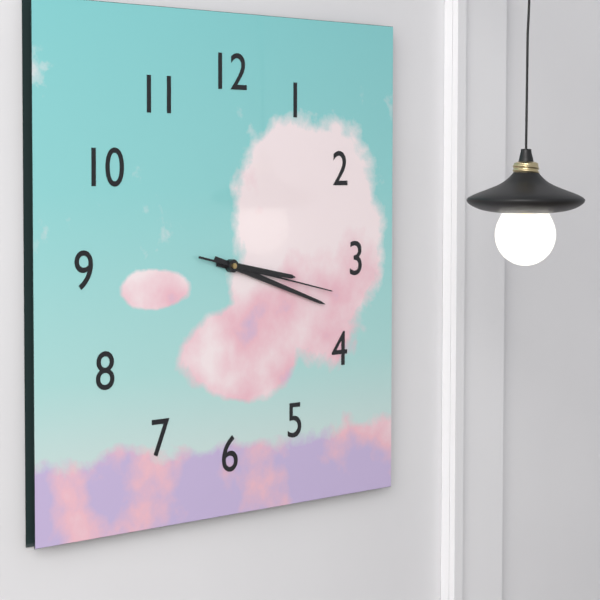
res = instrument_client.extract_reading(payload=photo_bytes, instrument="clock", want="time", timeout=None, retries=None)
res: 3:18:17
